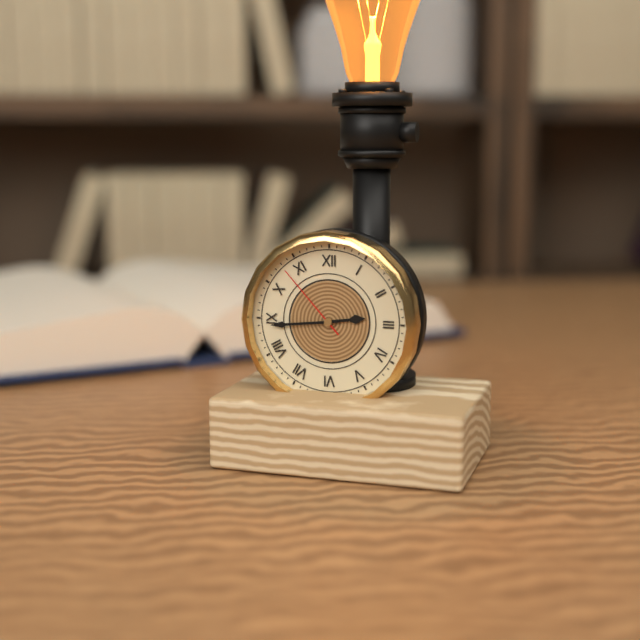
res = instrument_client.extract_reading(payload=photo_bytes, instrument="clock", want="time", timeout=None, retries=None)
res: 2:44:53
